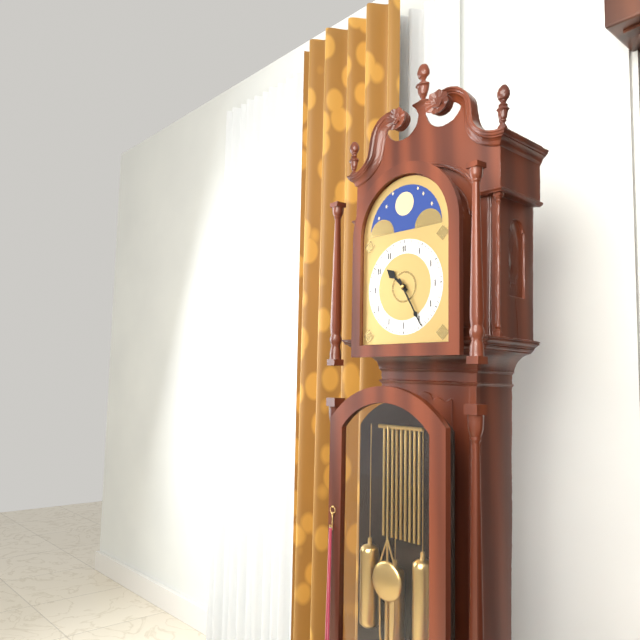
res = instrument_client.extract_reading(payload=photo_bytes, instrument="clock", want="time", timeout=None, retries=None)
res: 10:25
